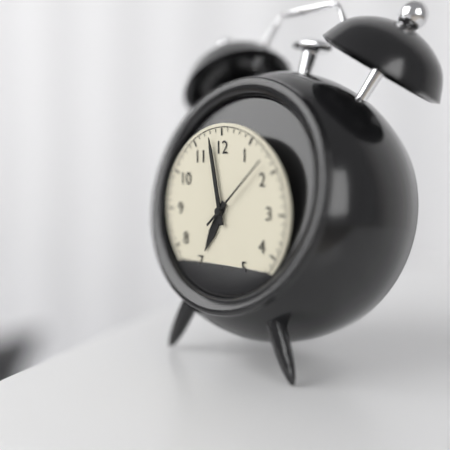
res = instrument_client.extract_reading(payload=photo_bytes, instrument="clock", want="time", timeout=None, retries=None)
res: 6:58:08
